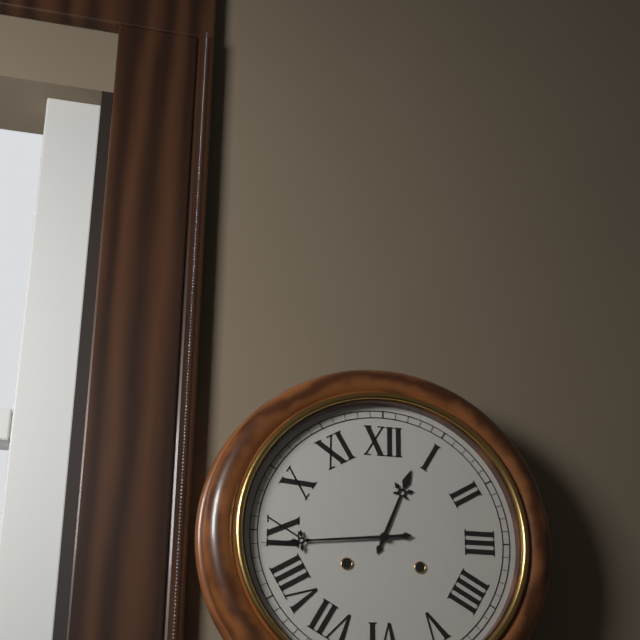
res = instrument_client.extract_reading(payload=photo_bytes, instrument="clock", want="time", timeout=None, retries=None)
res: 12:44
